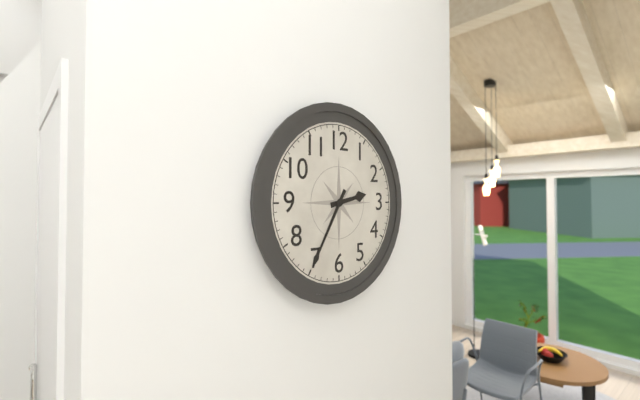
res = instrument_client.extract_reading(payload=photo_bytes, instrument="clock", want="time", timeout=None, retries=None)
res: 2:35
